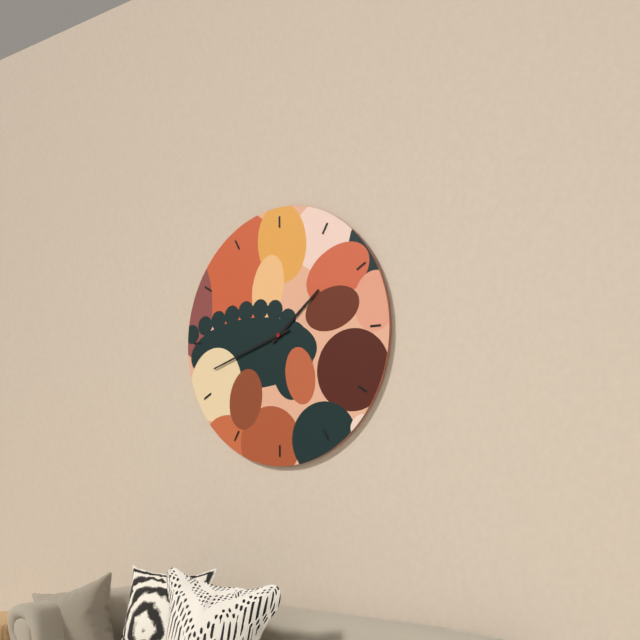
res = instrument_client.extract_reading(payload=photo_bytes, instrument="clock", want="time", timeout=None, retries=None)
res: 1:42
